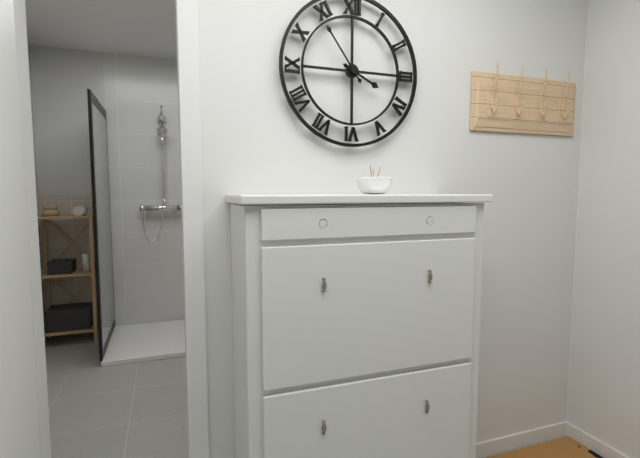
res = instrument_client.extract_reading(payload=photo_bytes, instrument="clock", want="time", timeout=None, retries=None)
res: 3:54
